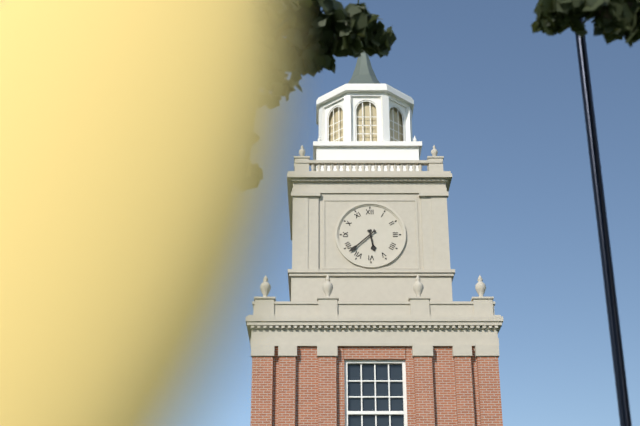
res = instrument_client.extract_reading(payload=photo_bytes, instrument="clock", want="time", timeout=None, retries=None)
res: 5:38
